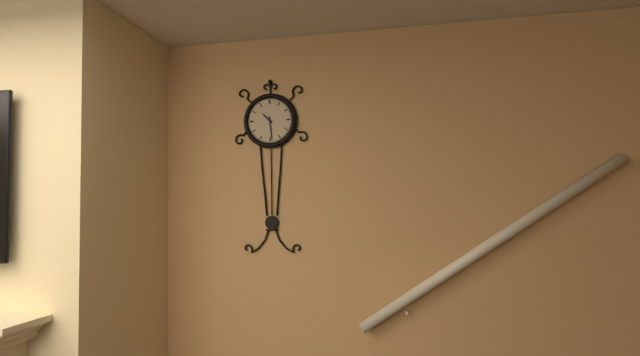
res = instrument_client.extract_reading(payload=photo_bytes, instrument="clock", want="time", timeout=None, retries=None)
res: 10:29
